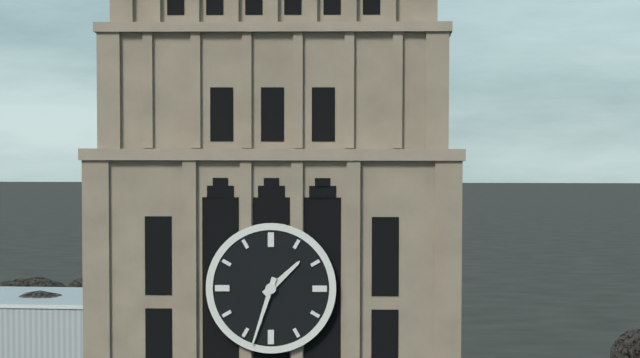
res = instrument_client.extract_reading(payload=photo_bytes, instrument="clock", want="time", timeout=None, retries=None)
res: 1:33
